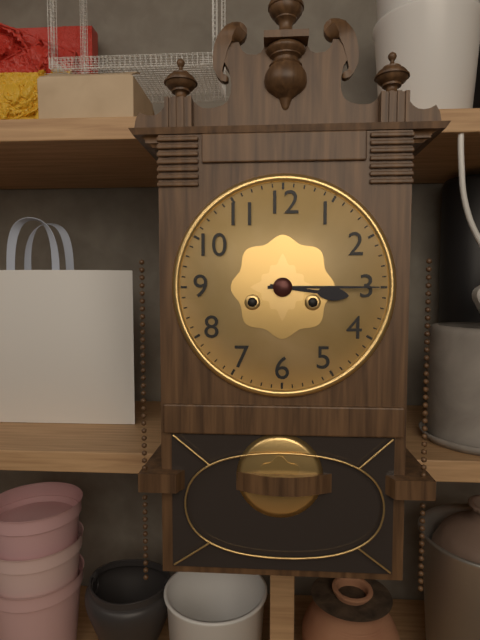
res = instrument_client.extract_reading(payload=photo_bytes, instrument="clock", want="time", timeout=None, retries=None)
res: 3:15
